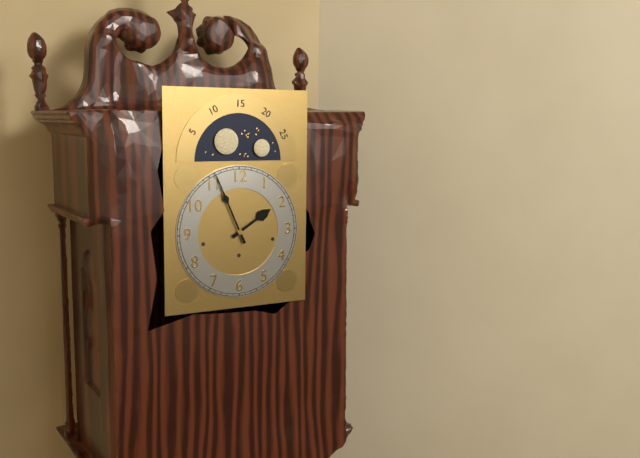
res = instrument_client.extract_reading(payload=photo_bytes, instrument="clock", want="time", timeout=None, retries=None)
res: 1:56
